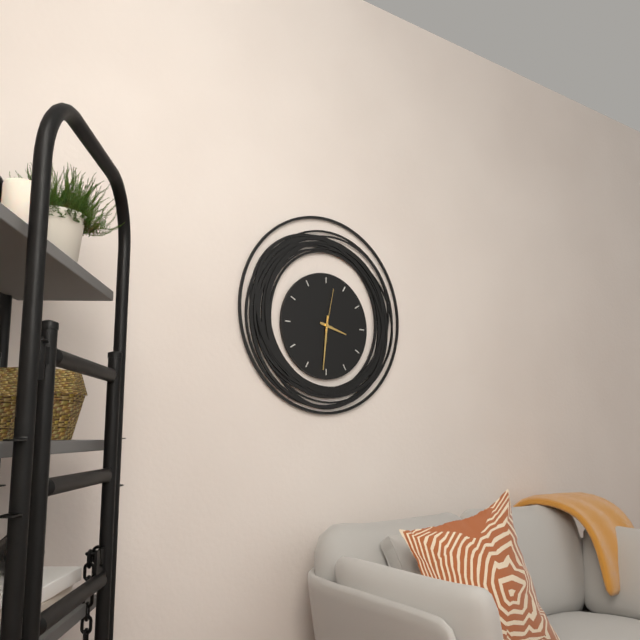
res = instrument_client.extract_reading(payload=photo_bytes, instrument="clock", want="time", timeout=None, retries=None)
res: 3:31
